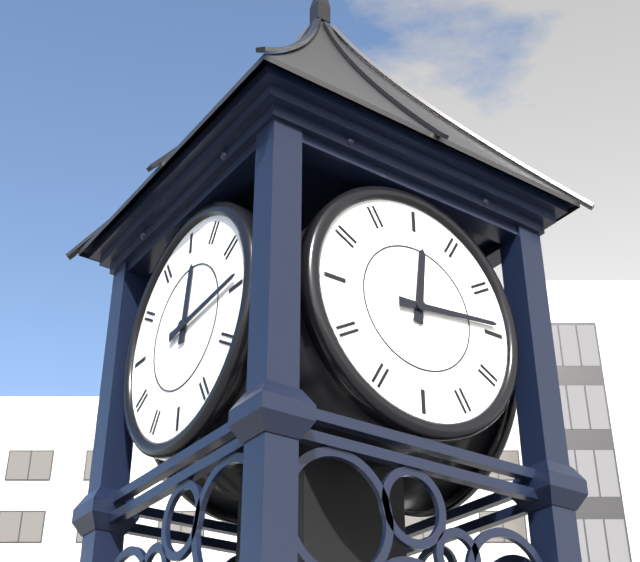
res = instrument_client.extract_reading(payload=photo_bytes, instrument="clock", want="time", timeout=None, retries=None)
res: 12:14
